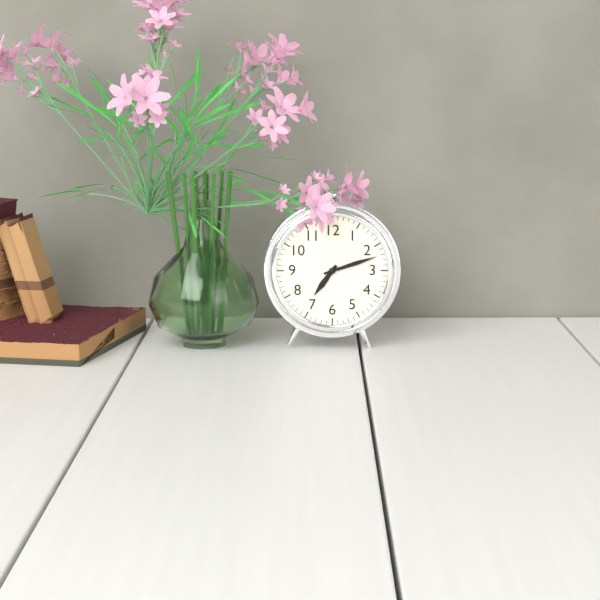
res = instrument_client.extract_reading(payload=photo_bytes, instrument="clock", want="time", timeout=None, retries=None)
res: 7:12
